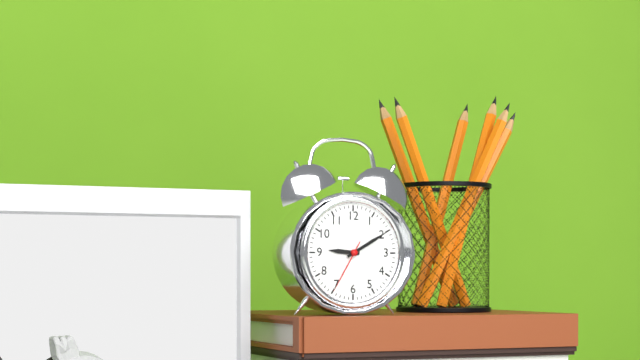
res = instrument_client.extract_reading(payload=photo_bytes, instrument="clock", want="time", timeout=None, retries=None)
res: 9:10:35
